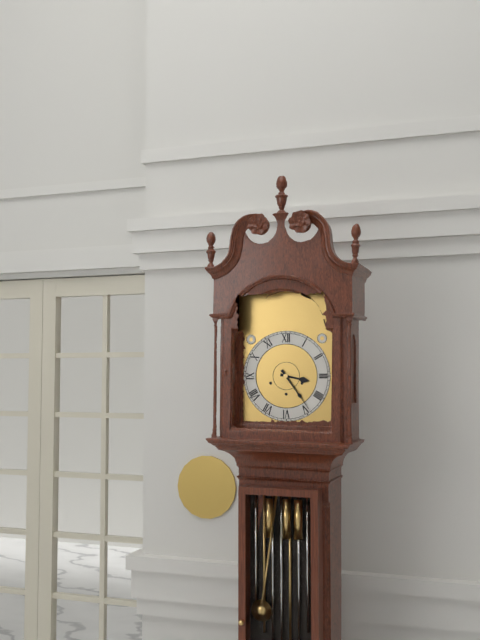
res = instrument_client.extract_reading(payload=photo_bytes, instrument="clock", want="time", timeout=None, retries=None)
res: 3:24
